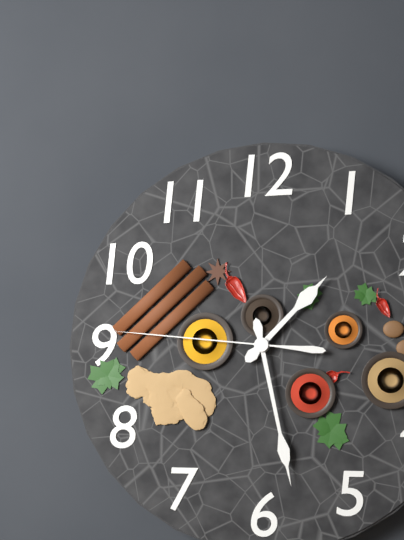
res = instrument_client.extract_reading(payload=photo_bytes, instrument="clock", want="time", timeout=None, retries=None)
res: 1:28:46
